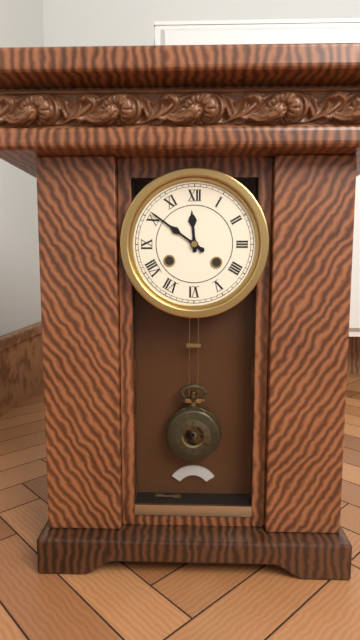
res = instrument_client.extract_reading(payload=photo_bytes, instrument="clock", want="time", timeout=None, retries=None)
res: 11:51
